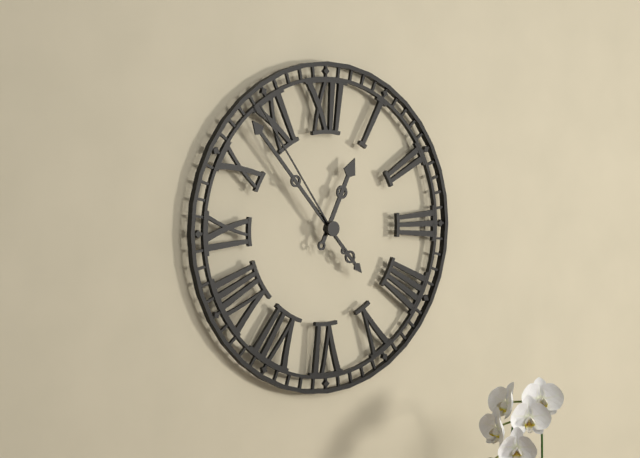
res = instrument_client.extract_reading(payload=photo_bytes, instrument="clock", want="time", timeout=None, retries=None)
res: 12:53:54
